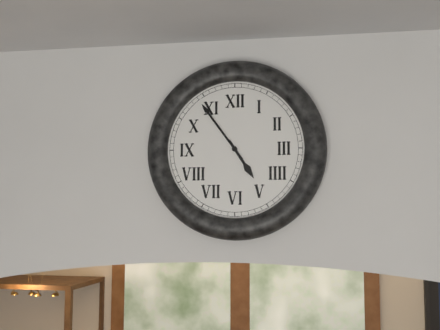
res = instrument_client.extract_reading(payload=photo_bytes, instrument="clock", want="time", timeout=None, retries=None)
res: 4:54
